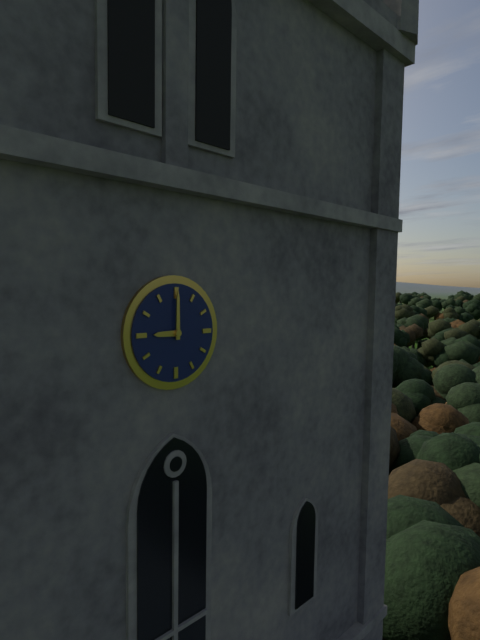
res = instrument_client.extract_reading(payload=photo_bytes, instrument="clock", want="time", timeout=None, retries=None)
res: 9:00
